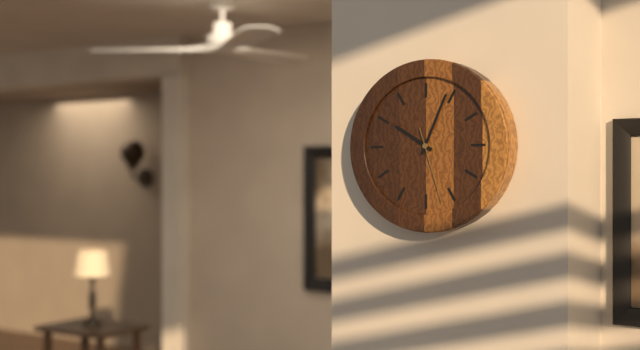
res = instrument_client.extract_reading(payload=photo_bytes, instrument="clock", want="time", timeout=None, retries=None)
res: 10:04:27
